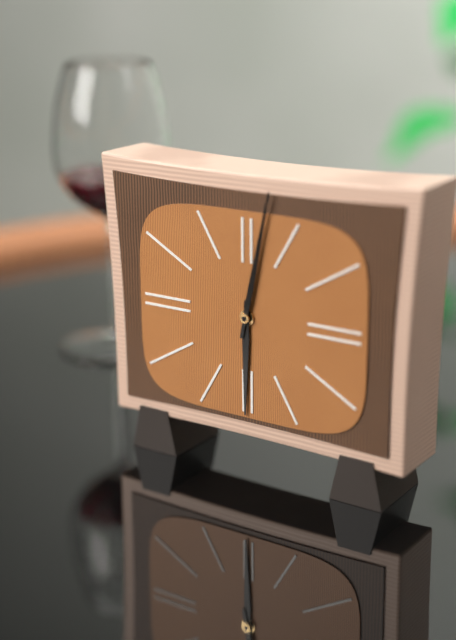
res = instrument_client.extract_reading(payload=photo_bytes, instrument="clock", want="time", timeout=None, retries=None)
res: 6:02
